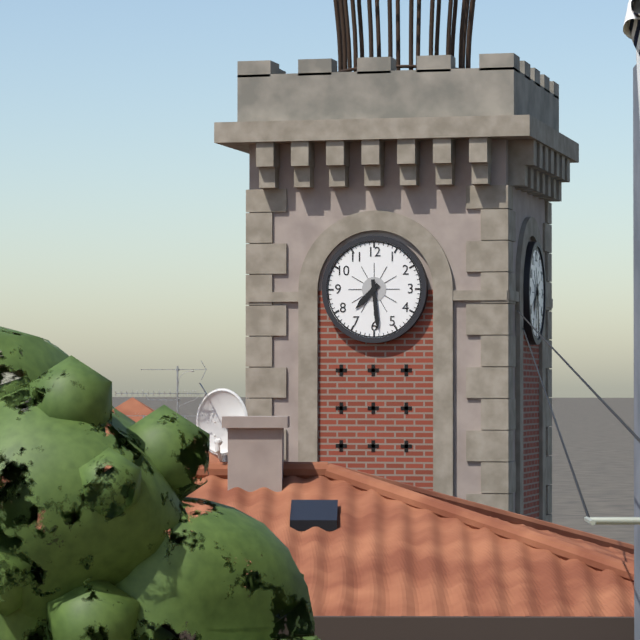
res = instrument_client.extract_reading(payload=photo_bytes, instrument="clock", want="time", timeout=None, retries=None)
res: 7:29
